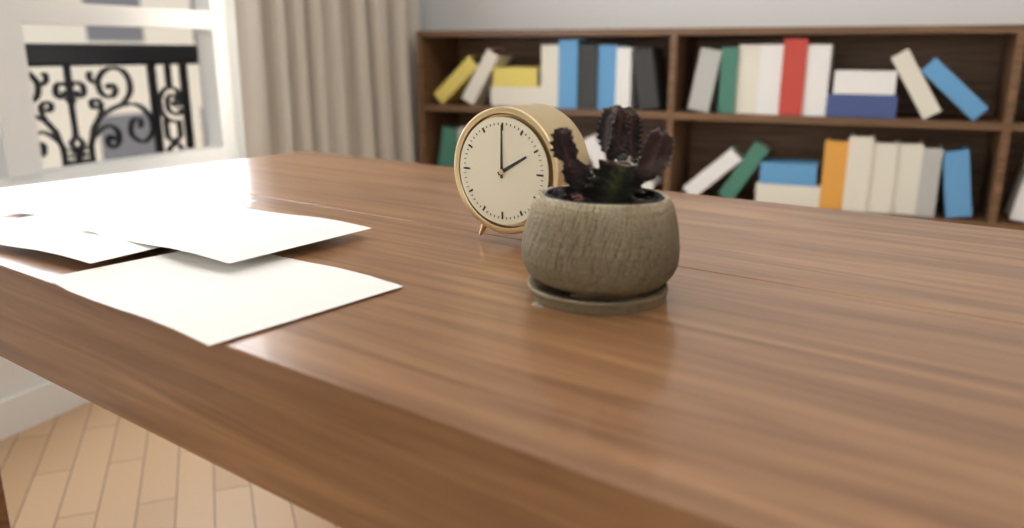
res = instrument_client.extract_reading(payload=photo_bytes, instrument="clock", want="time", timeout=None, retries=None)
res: 2:00
